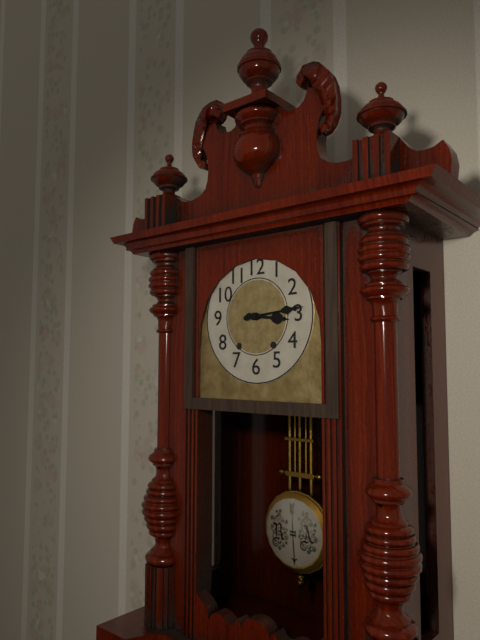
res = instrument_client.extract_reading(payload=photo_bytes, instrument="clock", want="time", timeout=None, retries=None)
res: 3:14
